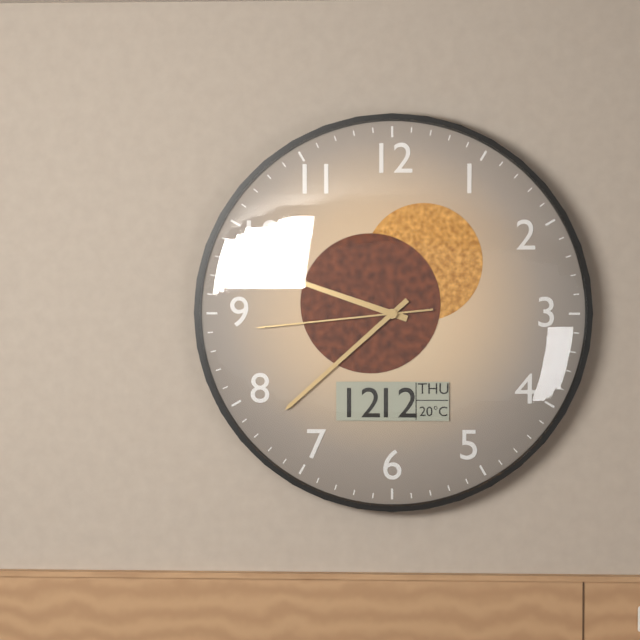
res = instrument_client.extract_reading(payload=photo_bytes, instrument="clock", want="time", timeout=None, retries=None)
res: 9:38:44
